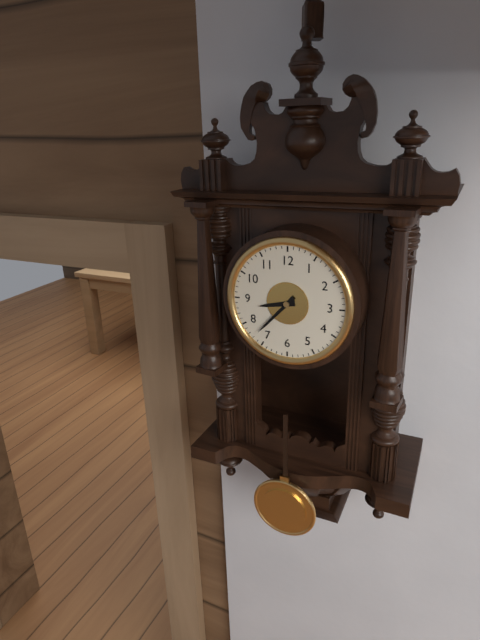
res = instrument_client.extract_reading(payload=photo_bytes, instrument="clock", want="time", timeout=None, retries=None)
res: 8:37
